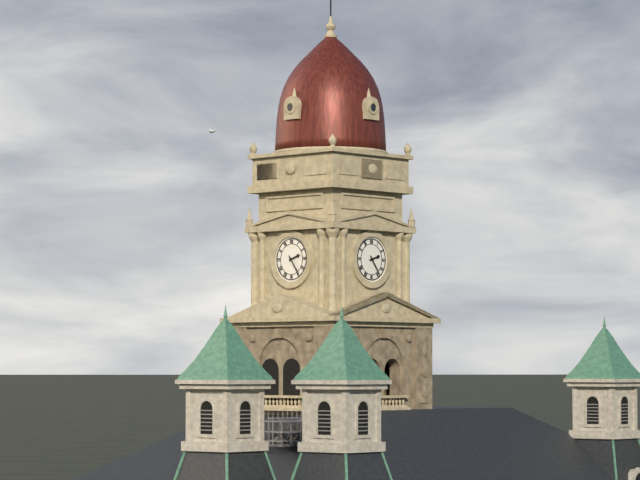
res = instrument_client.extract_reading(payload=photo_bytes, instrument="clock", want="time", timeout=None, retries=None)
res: 2:24
